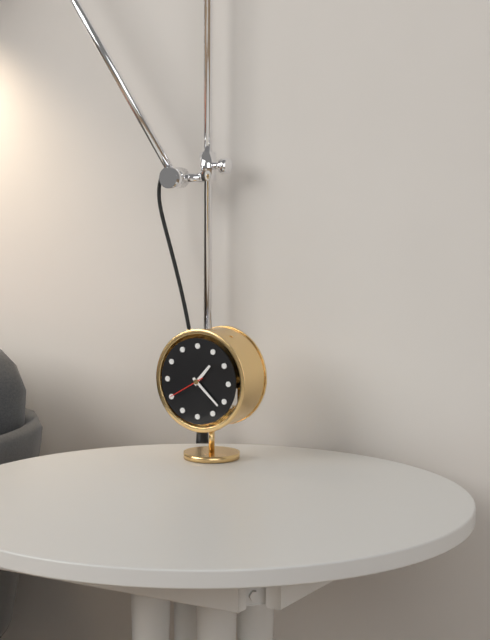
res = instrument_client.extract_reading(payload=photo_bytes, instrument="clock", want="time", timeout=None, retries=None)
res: 1:22
